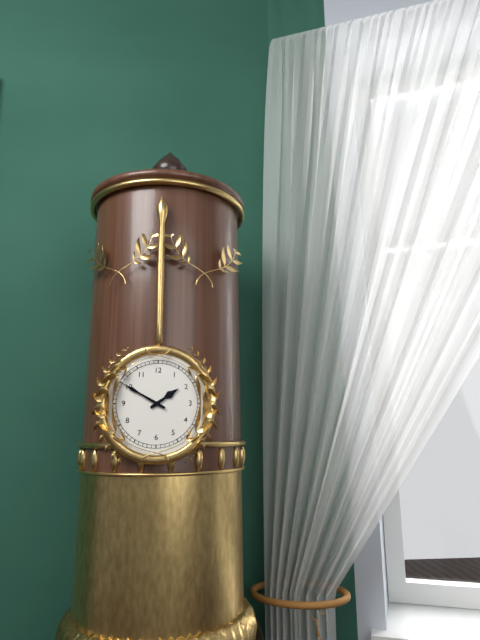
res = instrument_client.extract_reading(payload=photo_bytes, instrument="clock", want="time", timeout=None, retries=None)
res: 1:50
